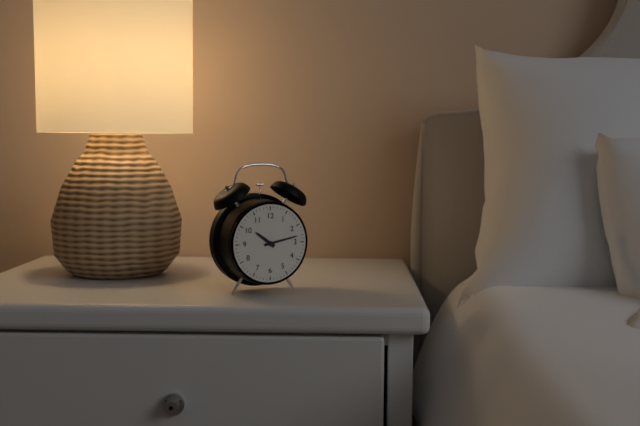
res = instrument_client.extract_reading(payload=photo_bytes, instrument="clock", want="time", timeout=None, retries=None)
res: 10:13
